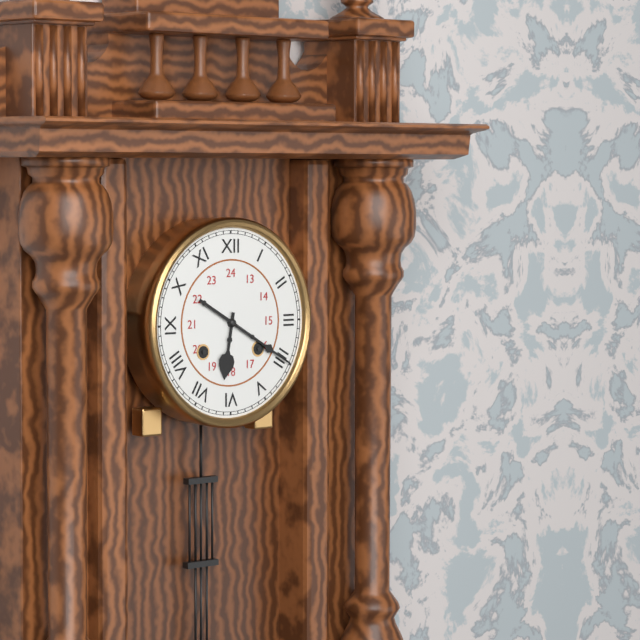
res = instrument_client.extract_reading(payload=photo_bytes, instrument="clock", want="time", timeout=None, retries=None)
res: 6:20
